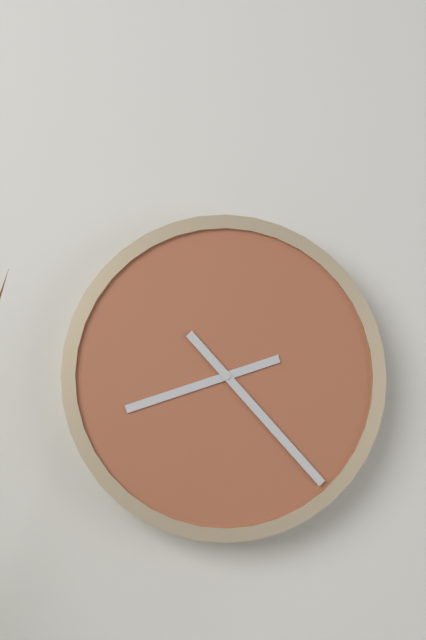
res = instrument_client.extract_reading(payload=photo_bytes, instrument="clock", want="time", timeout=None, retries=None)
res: 8:23
